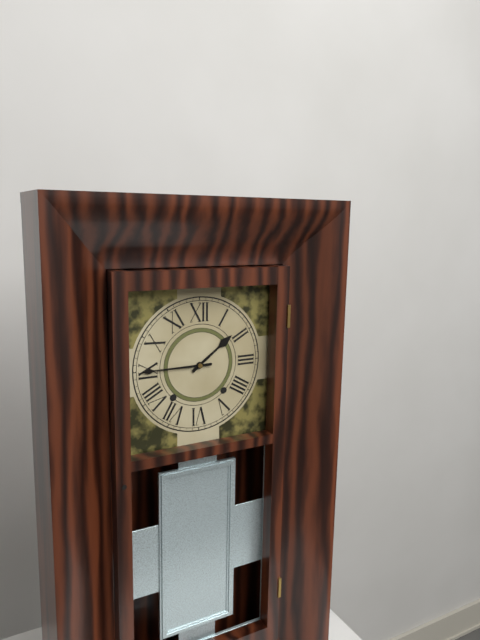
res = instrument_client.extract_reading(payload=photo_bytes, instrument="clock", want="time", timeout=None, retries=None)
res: 1:45
